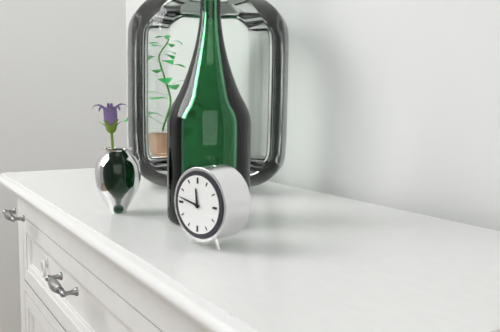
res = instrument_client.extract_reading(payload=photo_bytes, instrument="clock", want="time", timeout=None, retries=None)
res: 11:47
